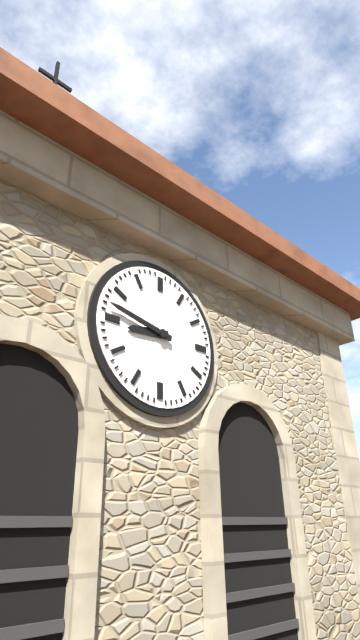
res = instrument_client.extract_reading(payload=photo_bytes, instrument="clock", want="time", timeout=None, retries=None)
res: 8:47
